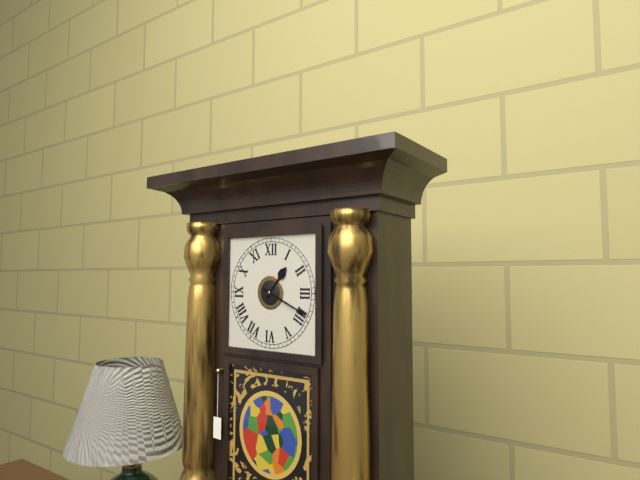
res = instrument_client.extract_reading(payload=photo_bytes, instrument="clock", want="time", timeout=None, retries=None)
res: 1:19
